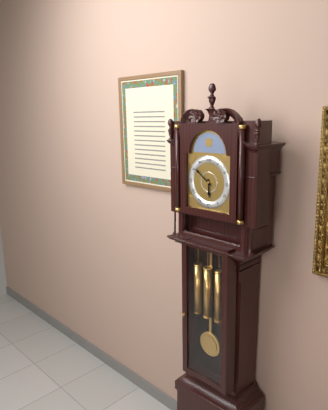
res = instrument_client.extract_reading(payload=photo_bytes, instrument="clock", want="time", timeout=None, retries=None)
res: 5:51
